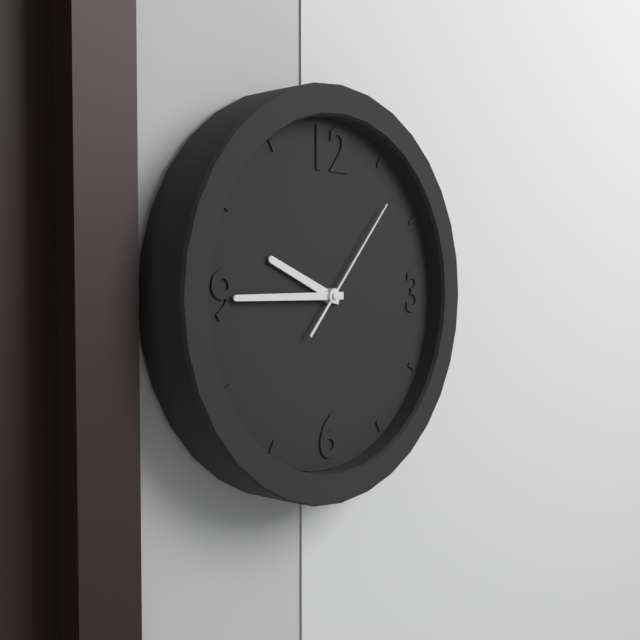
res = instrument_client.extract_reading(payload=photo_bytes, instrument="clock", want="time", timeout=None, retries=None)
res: 9:45:07
